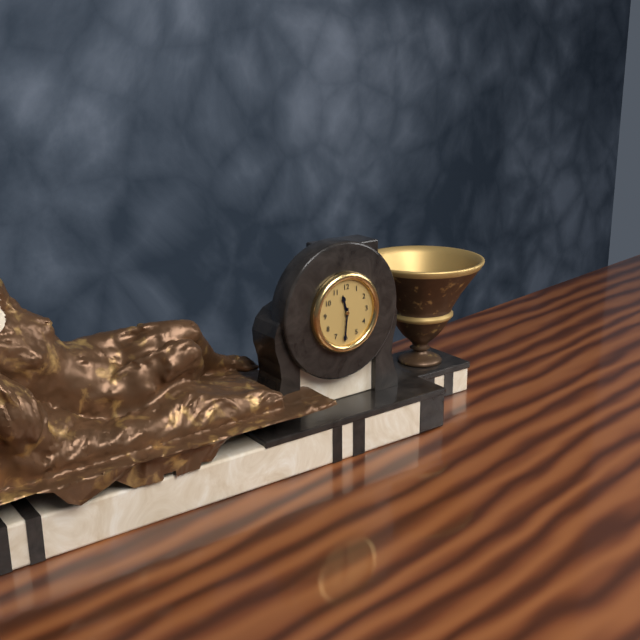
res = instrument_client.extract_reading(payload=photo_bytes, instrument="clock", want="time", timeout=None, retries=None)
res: 11:31
